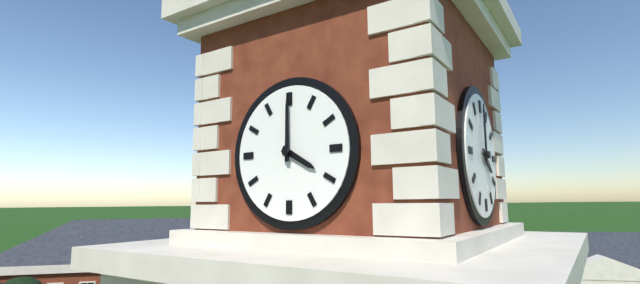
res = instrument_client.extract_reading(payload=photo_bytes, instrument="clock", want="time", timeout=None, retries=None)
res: 4:00
